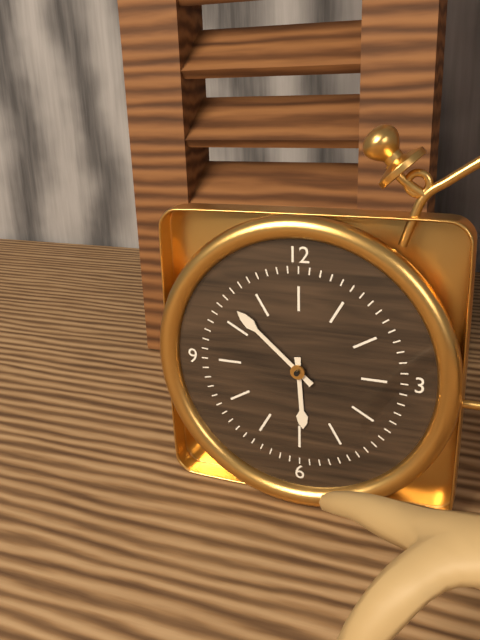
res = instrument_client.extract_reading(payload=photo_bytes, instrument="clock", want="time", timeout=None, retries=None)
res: 5:52
